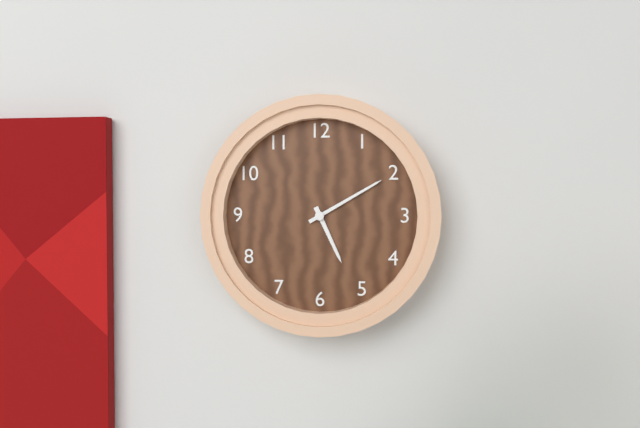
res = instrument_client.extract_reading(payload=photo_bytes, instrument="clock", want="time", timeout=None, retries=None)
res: 5:10
